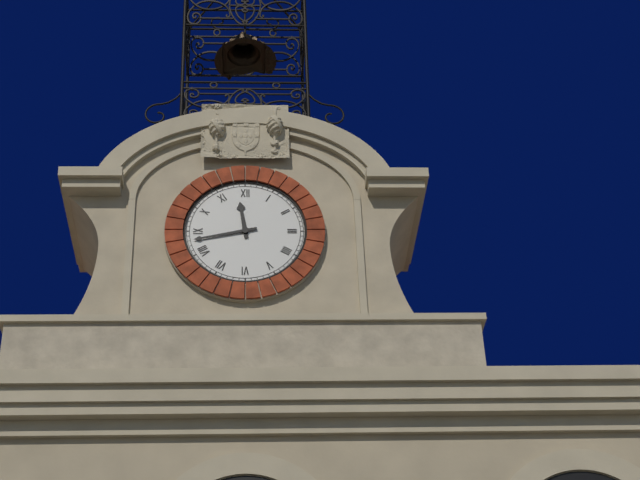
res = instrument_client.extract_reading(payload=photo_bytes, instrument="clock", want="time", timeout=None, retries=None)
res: 11:43
